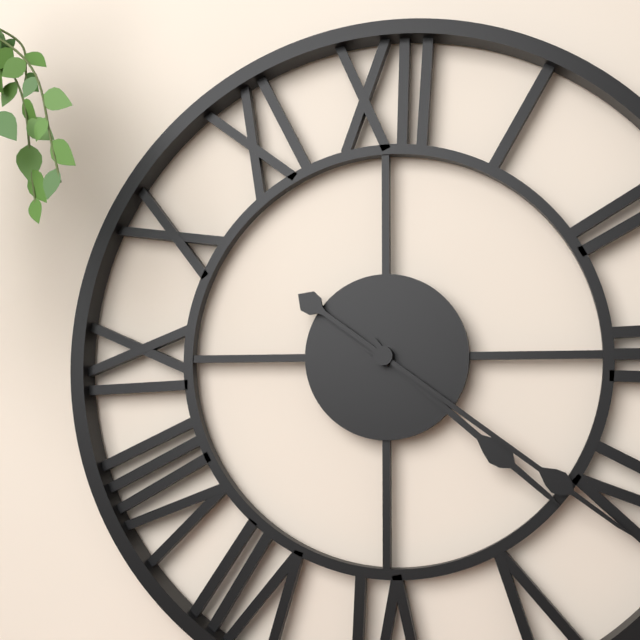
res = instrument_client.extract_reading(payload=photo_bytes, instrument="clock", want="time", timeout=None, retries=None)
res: 4:21
